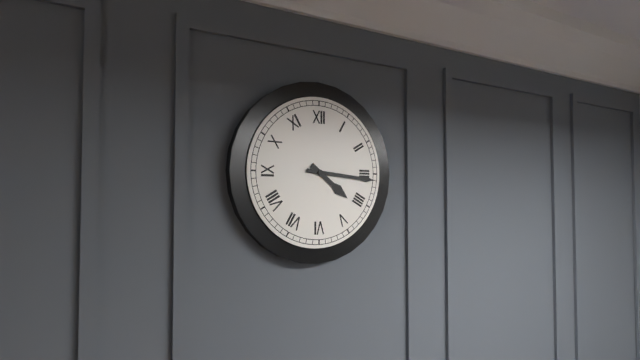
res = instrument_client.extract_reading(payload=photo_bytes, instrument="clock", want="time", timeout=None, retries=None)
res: 4:16
